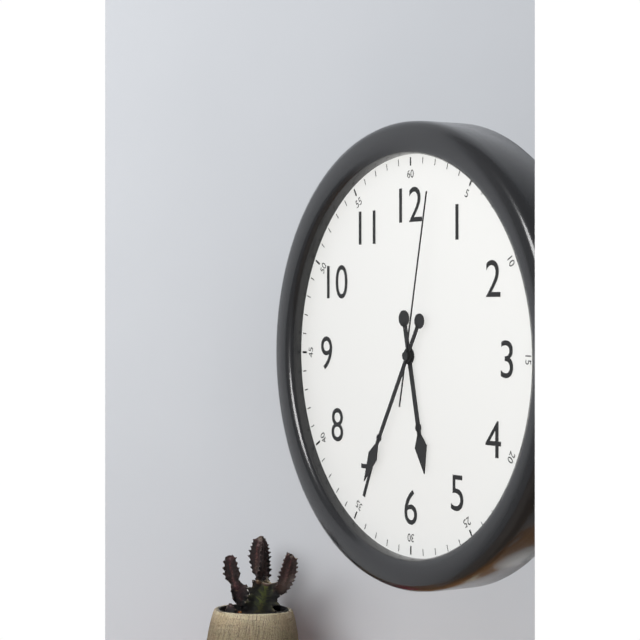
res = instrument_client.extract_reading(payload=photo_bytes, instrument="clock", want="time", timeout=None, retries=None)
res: 5:35:02
